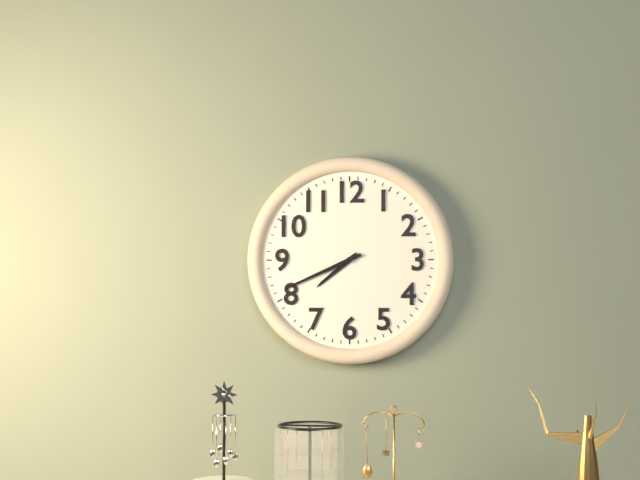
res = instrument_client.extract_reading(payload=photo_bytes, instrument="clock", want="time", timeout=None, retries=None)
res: 7:41
